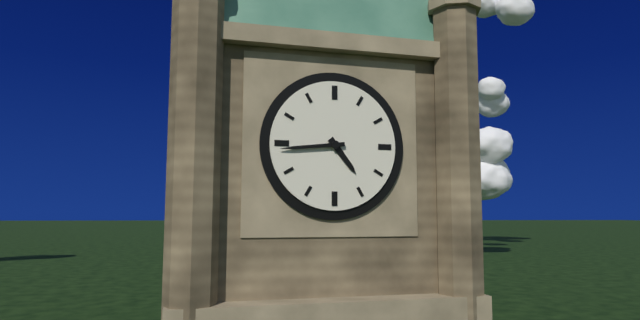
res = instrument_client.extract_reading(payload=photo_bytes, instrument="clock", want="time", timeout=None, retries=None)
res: 4:44
